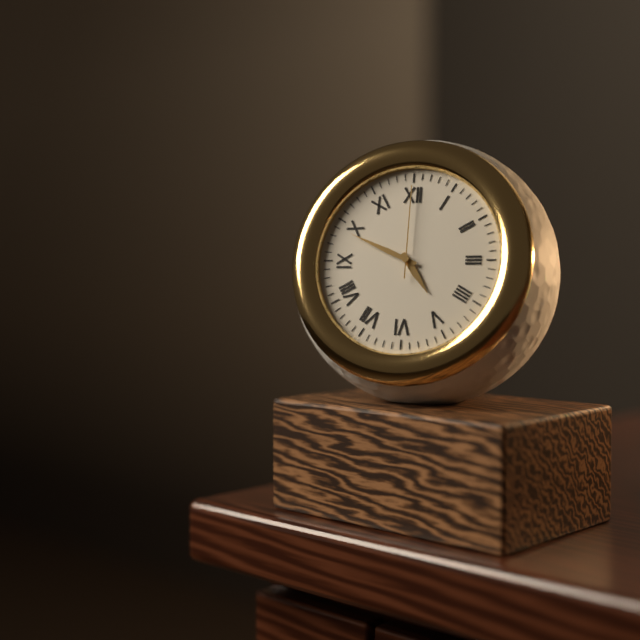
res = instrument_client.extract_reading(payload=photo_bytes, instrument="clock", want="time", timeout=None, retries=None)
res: 4:49:00
